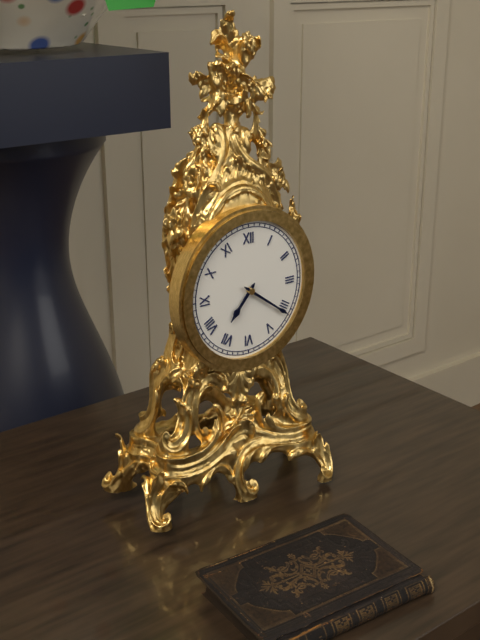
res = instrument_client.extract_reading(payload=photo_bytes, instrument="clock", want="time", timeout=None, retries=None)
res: 7:21
